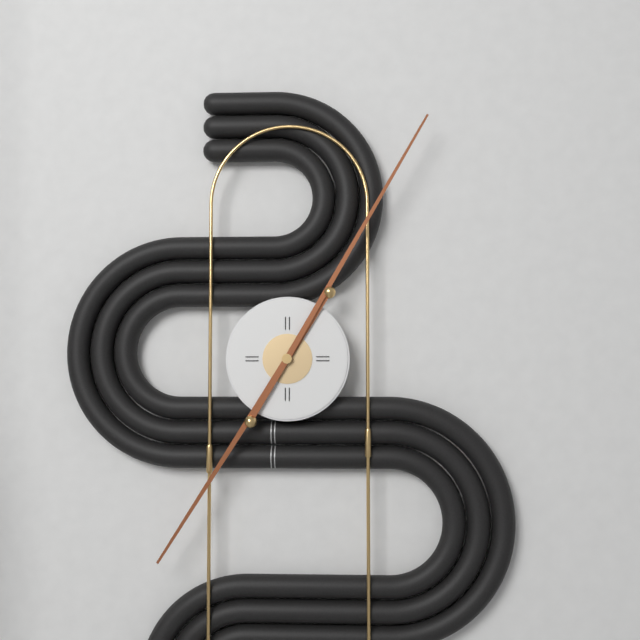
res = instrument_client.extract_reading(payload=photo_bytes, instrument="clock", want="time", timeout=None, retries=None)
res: 7:05
